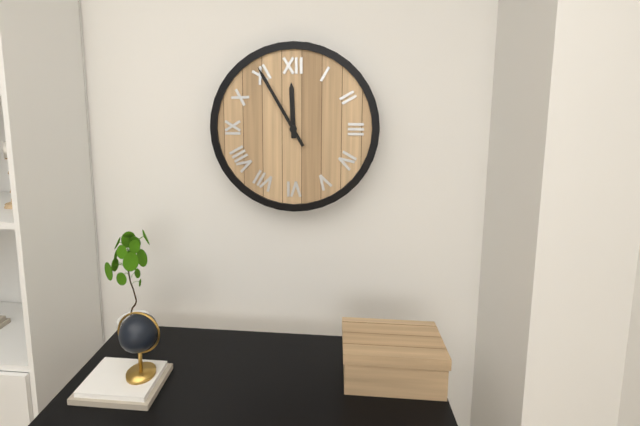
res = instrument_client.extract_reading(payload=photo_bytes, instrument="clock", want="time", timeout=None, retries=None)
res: 11:55
